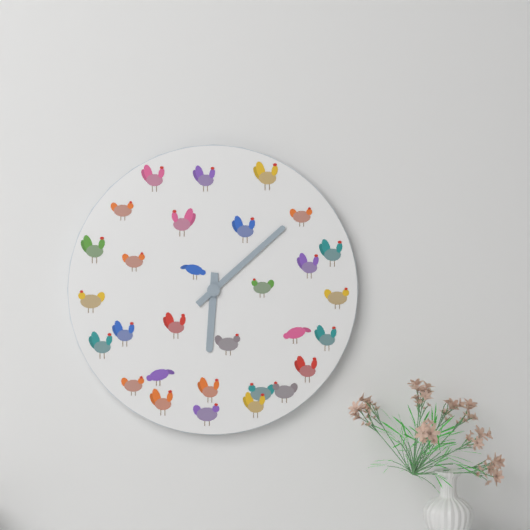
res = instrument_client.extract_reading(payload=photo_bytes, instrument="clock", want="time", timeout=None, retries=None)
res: 6:08
